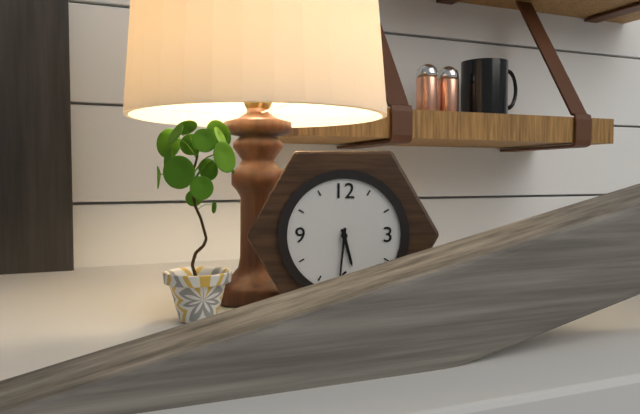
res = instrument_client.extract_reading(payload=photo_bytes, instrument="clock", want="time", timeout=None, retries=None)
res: 5:31
